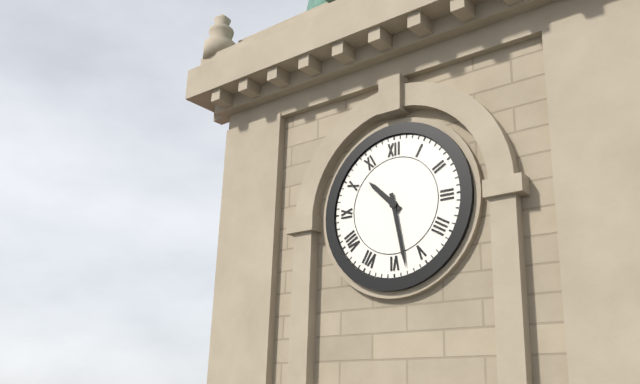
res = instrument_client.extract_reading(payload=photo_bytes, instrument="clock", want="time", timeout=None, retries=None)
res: 10:28
